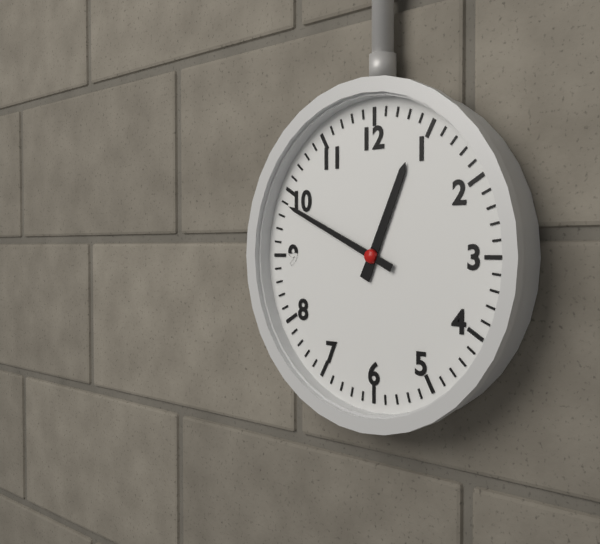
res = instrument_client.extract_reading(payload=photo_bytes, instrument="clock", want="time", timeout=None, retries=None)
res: 12:49
